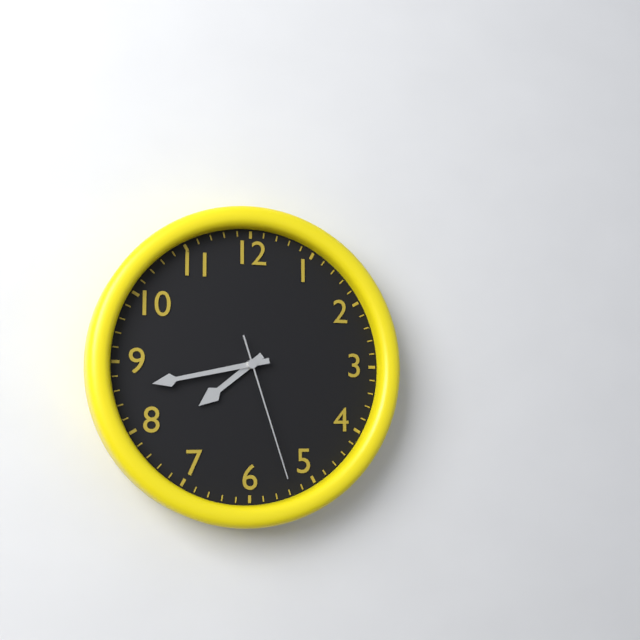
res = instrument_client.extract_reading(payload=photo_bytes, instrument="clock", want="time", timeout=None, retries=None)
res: 7:43:27
